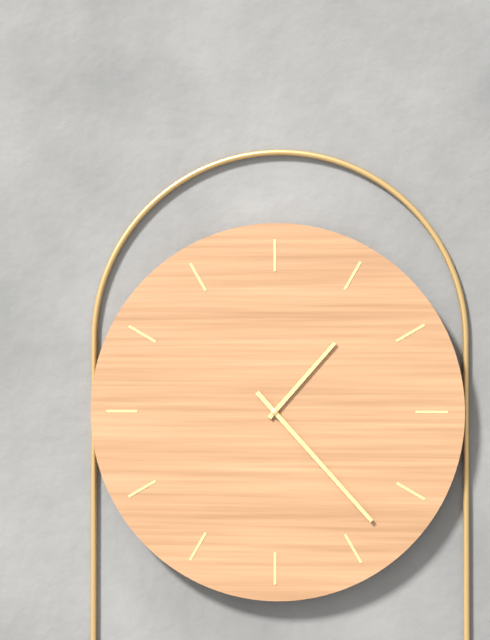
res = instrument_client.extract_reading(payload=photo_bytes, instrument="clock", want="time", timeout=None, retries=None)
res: 1:23
